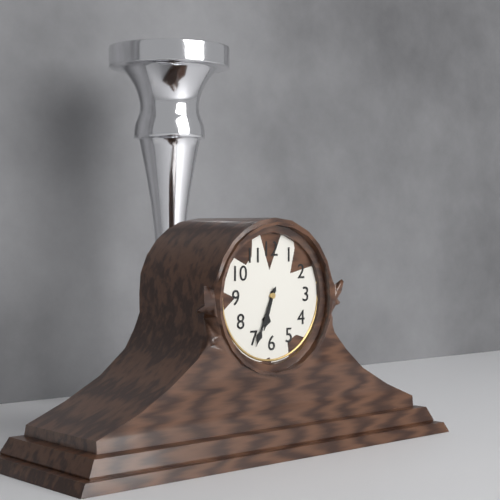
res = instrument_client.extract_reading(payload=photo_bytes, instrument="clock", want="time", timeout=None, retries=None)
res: 6:34
